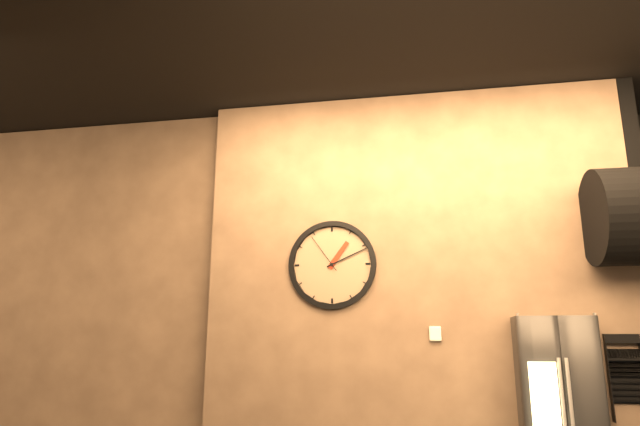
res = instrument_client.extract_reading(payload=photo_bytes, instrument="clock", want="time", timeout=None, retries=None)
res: 1:11
